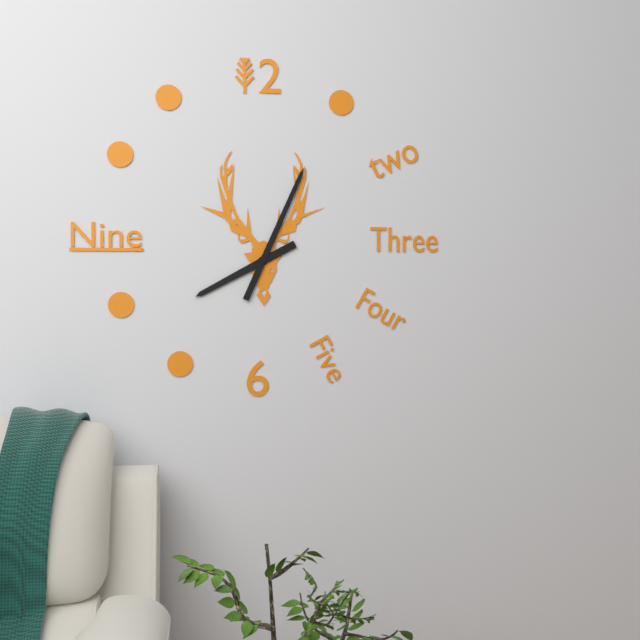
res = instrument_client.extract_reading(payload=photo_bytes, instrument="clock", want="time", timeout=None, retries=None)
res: 8:04
